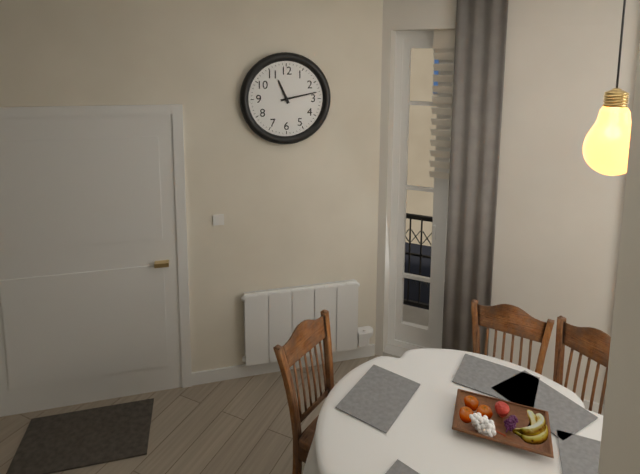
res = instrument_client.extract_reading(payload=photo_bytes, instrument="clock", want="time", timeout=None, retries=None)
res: 11:13
